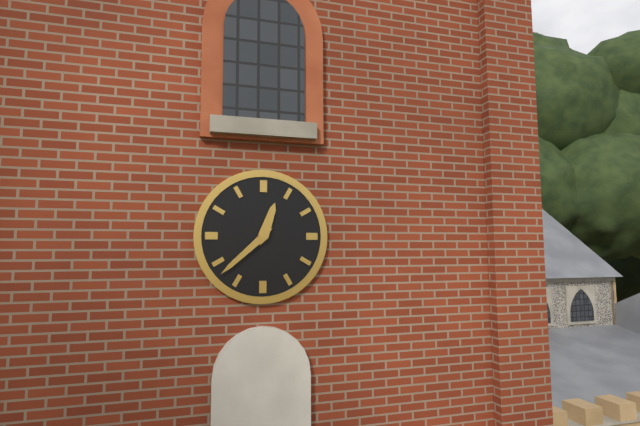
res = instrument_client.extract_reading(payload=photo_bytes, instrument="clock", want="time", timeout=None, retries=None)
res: 12:38
